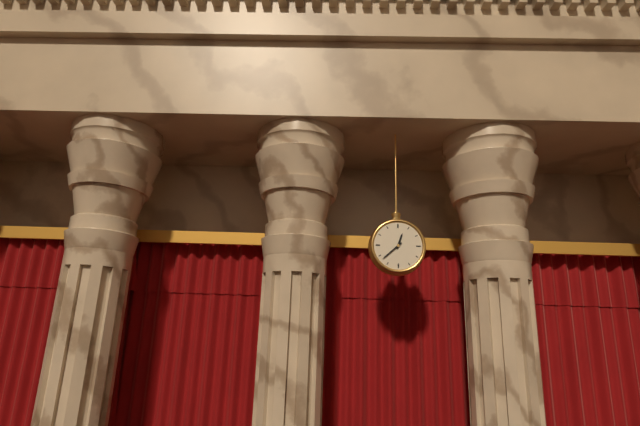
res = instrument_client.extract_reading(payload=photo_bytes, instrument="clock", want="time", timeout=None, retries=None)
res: 12:38
